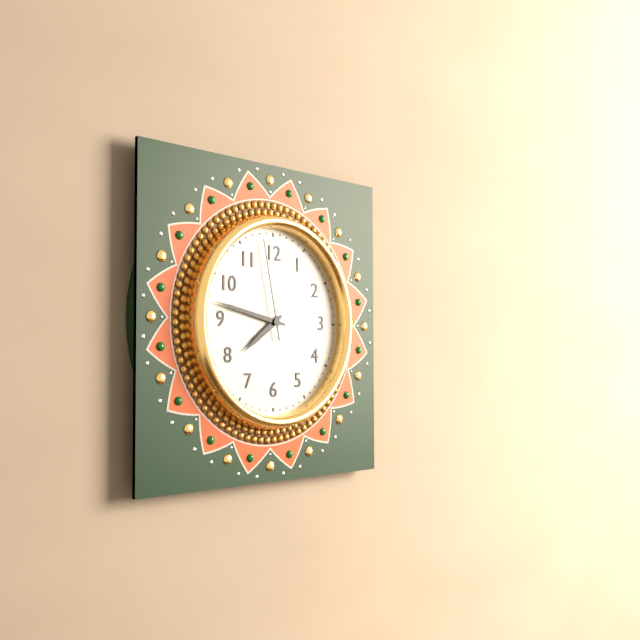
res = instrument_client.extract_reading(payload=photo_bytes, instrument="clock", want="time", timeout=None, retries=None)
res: 7:47:58
